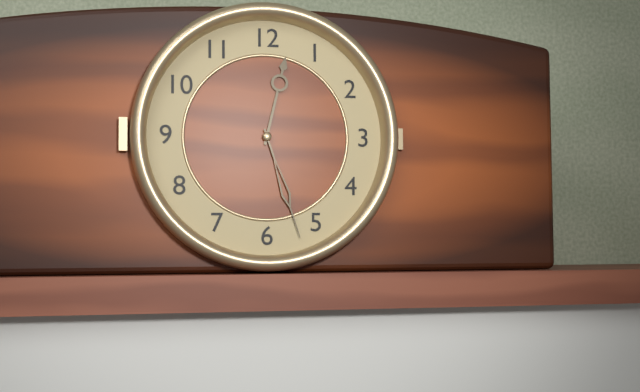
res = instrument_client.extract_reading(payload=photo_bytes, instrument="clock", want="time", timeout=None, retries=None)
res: 12:27
